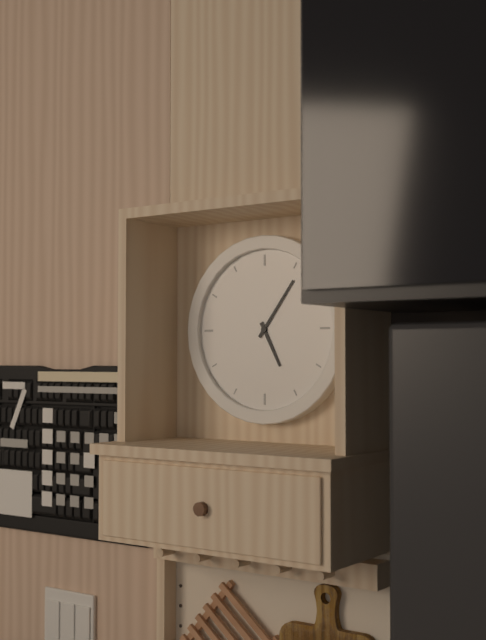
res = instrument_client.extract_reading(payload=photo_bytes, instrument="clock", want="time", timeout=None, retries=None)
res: 5:06
